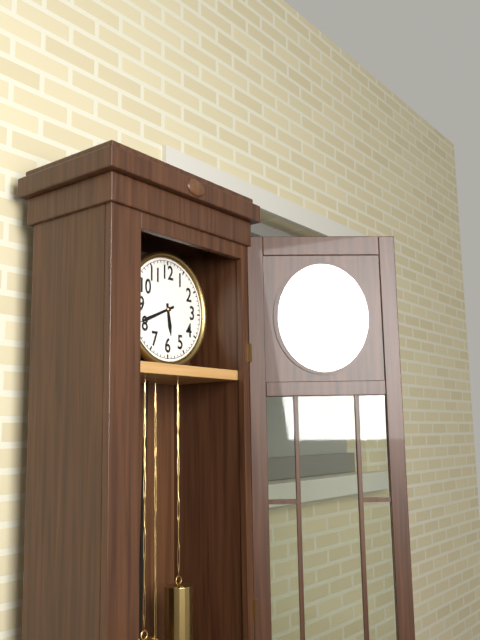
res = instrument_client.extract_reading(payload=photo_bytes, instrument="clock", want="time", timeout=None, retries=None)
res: 5:41
